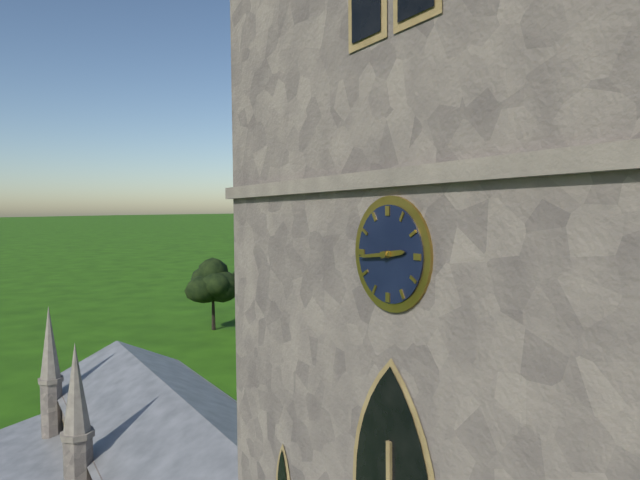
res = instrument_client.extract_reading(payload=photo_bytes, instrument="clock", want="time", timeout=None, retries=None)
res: 2:44
